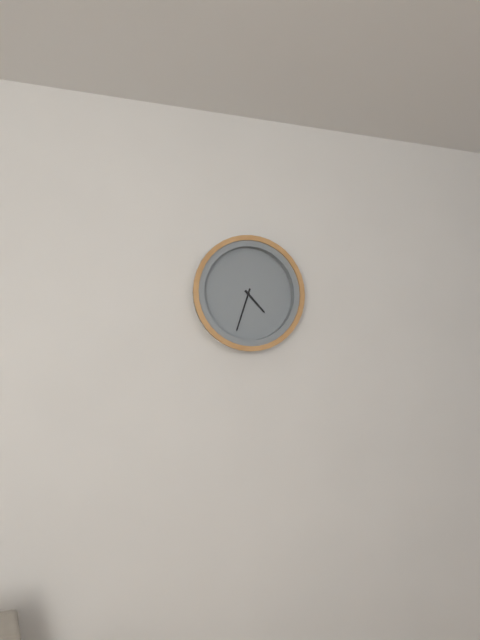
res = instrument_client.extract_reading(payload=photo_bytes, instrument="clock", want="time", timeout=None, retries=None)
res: 4:33
